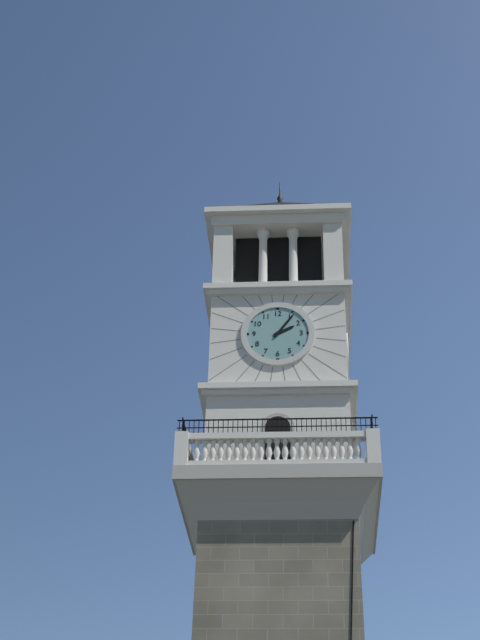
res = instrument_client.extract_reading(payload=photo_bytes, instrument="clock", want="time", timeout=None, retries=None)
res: 2:06
